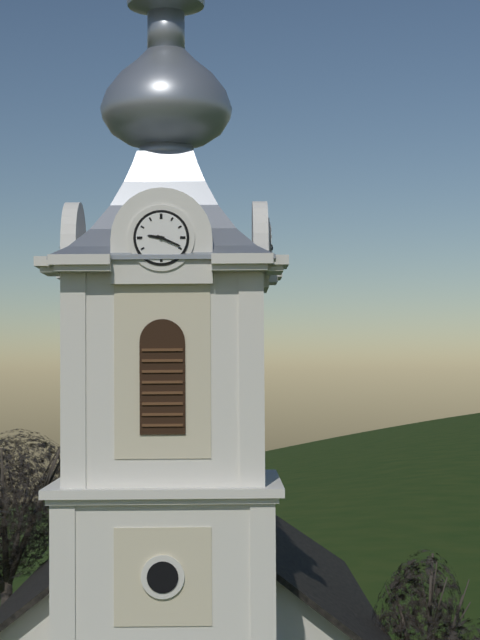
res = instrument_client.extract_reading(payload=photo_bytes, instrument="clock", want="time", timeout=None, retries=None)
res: 9:19
